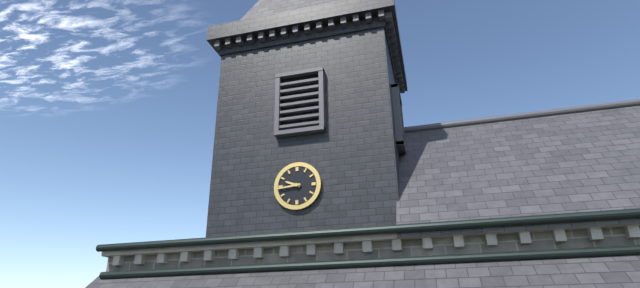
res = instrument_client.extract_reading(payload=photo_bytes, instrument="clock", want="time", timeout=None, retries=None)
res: 9:44
